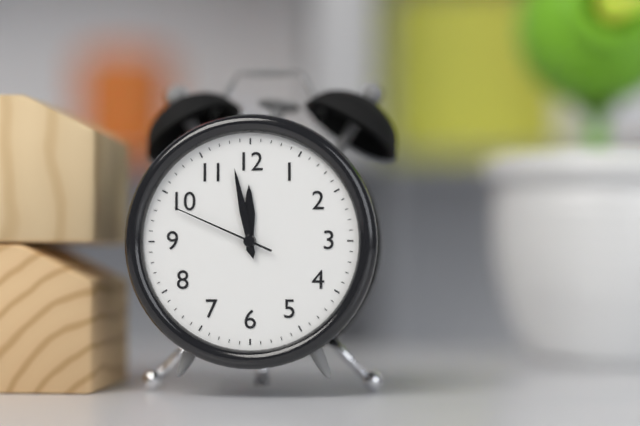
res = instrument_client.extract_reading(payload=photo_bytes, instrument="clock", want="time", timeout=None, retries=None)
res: 11:58:49
